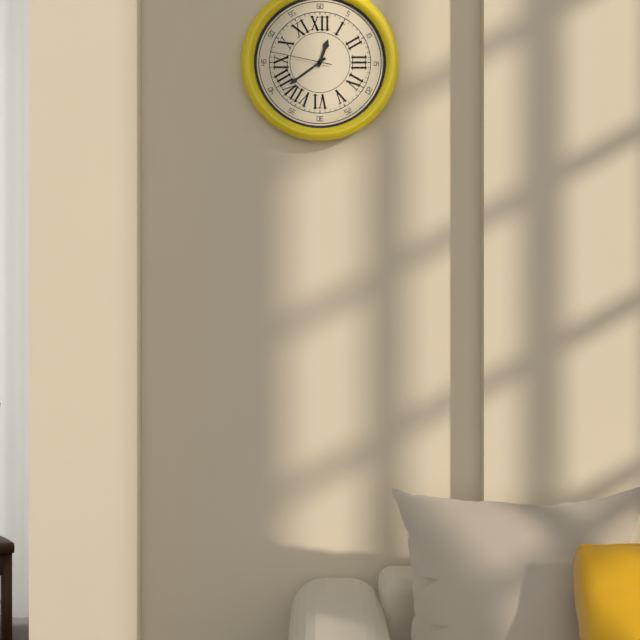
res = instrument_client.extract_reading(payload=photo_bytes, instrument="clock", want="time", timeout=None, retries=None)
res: 12:39:47
